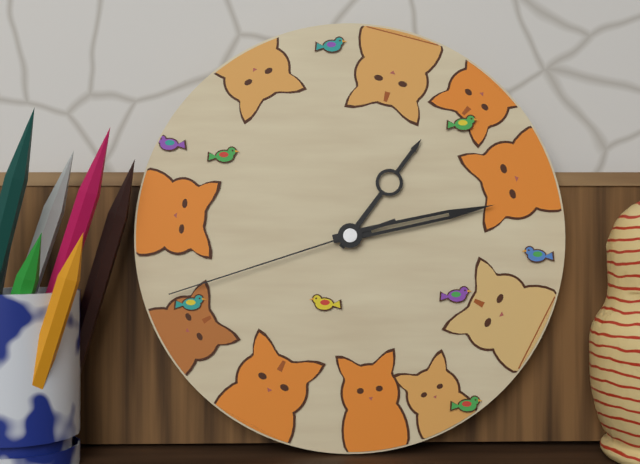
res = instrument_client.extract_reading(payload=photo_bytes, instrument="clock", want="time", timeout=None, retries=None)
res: 1:13:42
